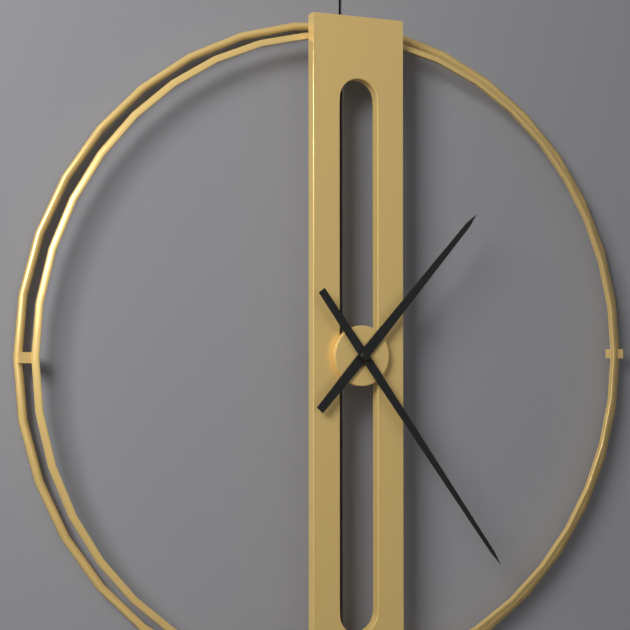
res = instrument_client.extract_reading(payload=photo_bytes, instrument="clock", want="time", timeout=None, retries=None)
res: 1:24
